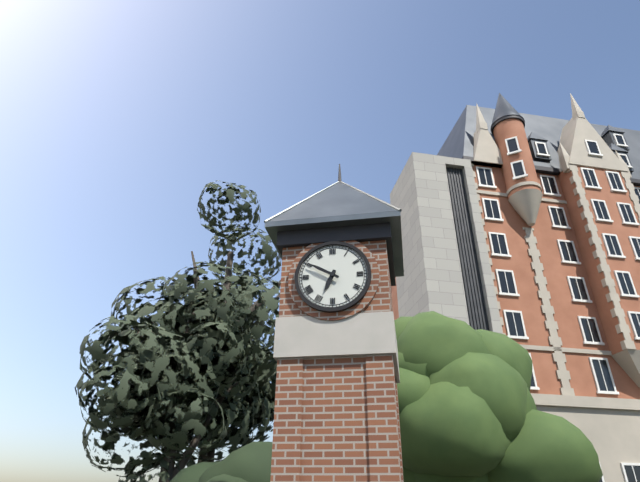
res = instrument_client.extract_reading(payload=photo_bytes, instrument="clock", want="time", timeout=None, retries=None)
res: 6:50
